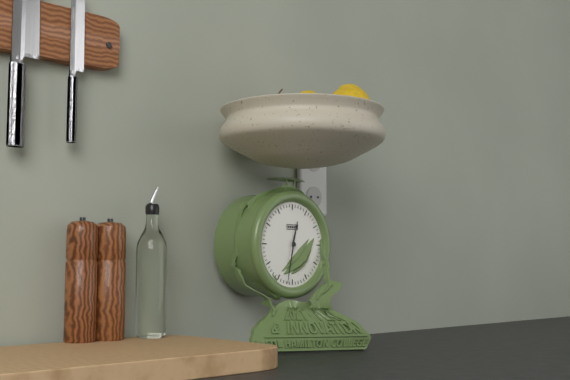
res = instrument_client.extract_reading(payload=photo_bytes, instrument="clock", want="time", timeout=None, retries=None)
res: 12:32
